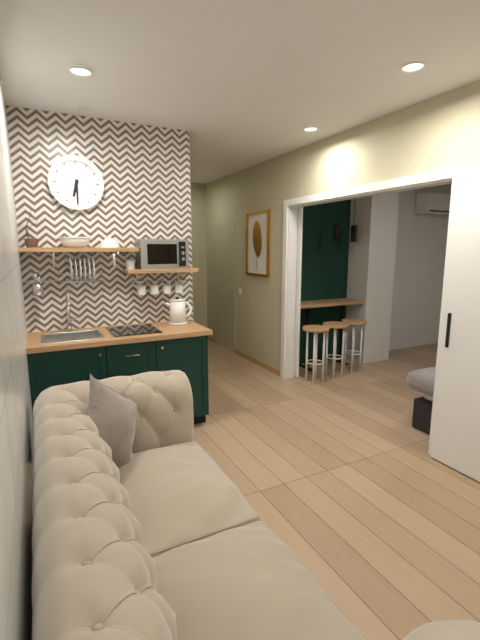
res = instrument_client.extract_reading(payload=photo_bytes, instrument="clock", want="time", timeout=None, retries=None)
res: 6:30
